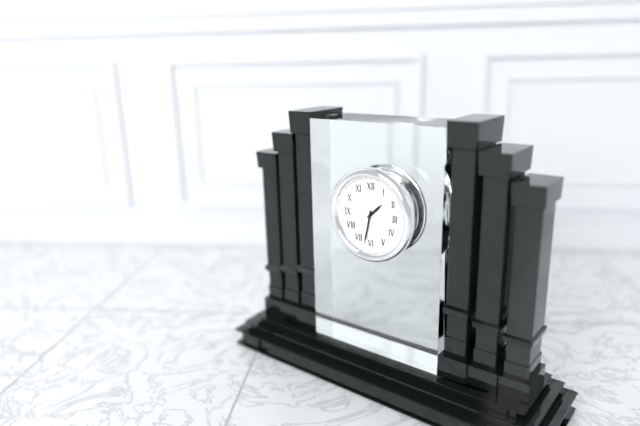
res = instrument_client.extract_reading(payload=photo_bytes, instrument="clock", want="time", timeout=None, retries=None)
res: 1:32
